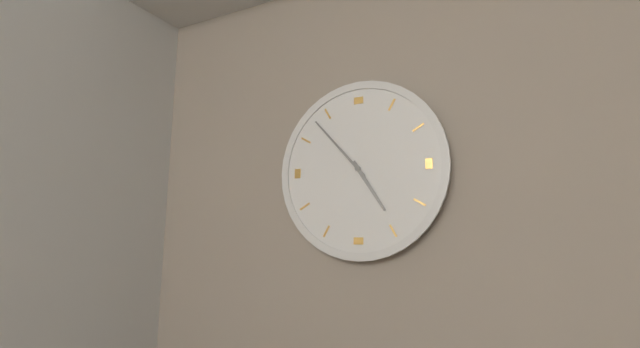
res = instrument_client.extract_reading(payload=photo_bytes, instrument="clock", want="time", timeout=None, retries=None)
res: 4:53
